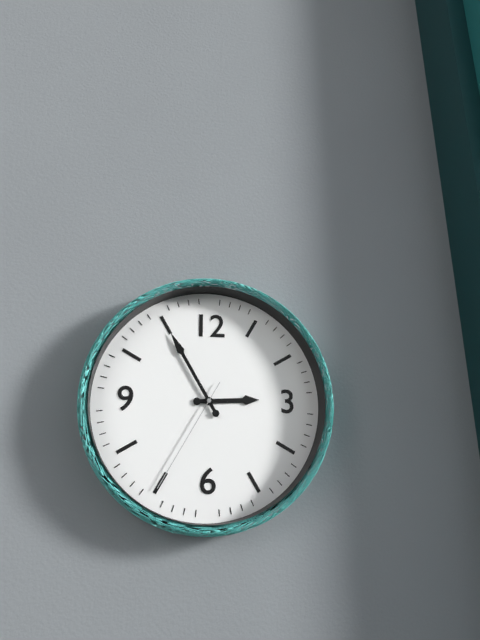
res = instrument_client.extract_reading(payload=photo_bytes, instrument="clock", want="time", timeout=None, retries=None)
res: 2:55:35
